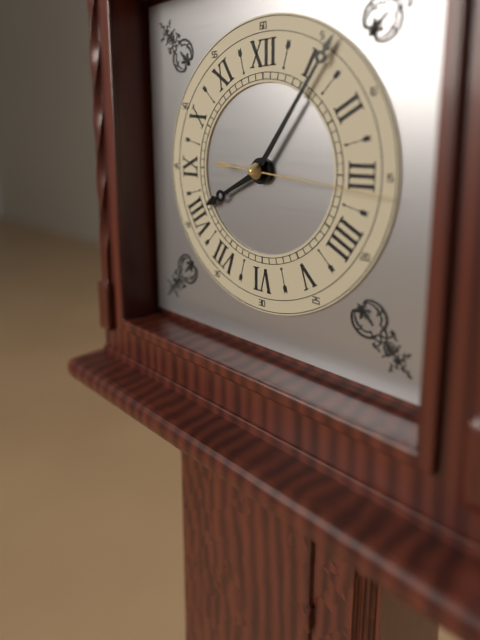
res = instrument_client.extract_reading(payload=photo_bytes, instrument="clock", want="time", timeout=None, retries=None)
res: 8:06:16
